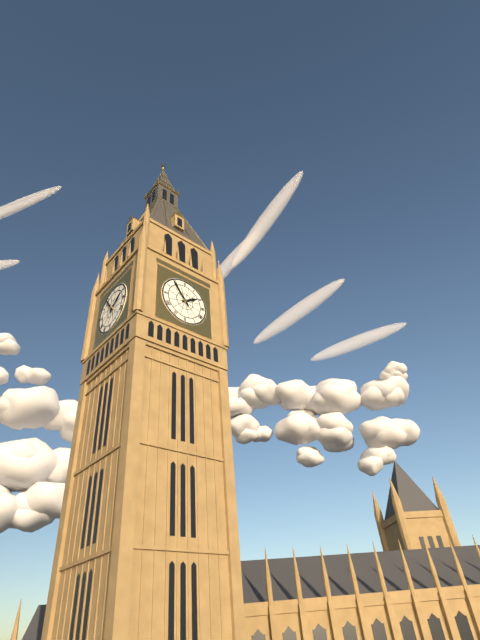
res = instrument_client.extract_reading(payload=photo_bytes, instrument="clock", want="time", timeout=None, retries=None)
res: 1:54
